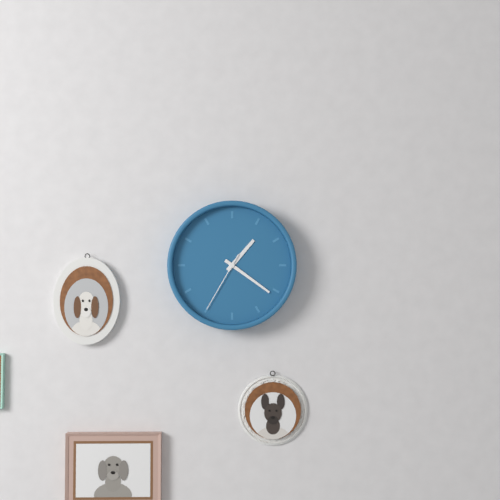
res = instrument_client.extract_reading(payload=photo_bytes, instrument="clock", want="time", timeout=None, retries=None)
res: 1:21:35
